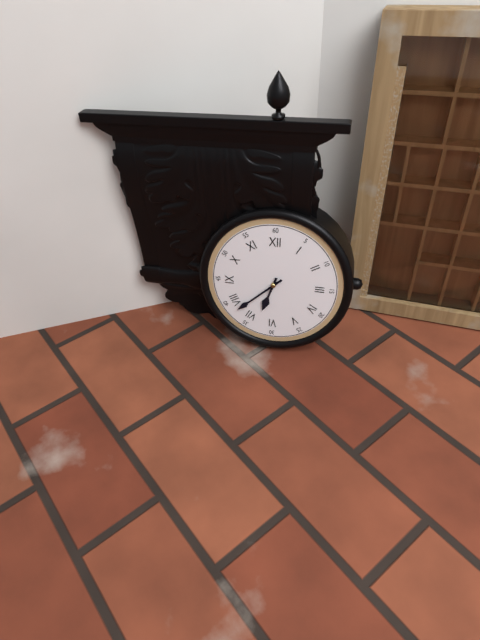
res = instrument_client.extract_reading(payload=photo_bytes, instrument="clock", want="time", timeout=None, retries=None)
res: 6:38
